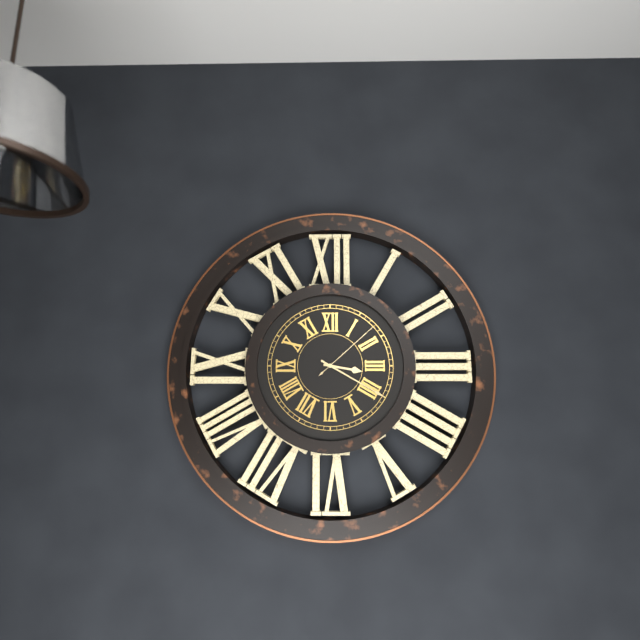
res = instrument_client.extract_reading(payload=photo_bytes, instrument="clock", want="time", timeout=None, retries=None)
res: 3:20:08
